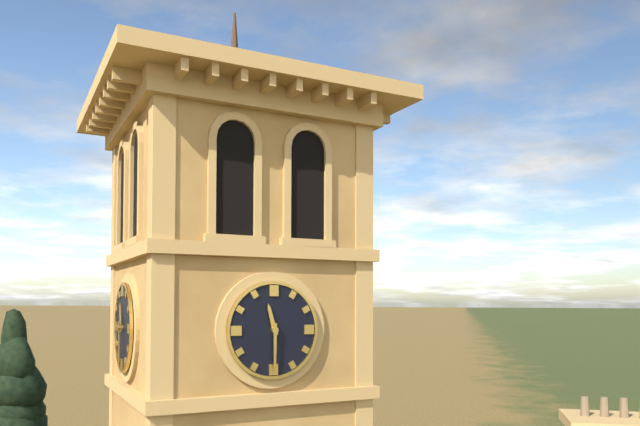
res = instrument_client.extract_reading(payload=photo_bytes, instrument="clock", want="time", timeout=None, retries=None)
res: 11:30
